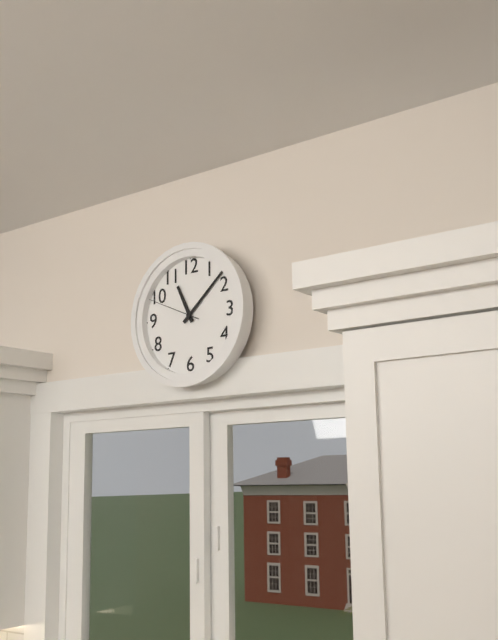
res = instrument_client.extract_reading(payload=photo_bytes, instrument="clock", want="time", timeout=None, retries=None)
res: 11:08:49
